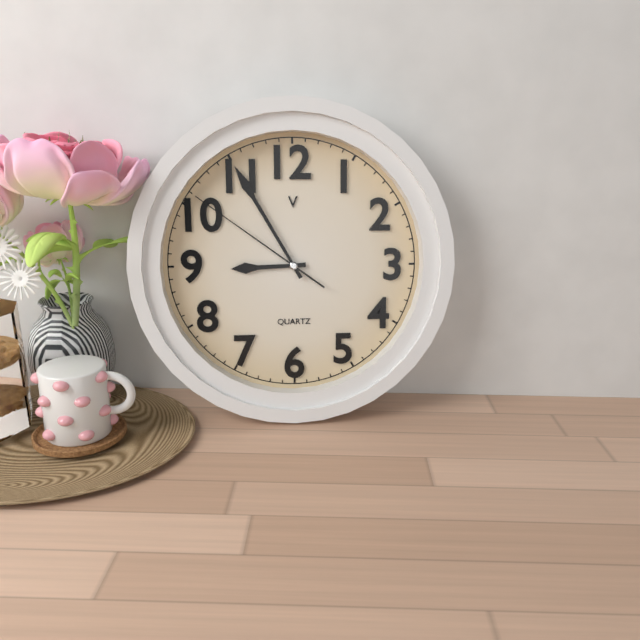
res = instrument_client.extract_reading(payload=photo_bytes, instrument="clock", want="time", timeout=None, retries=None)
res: 8:55:51
